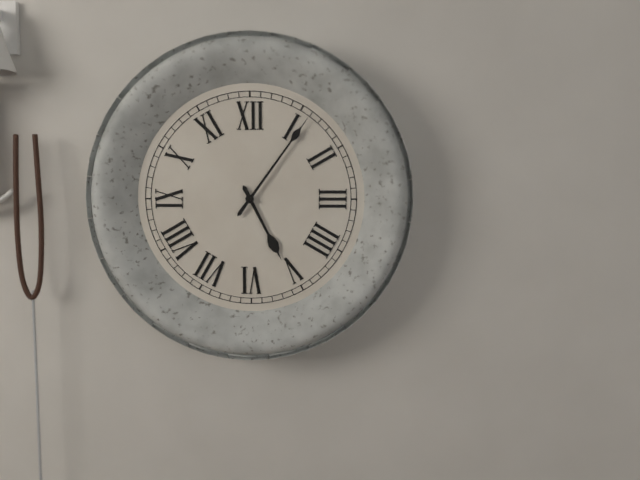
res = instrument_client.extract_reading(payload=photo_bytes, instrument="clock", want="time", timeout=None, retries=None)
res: 5:06
